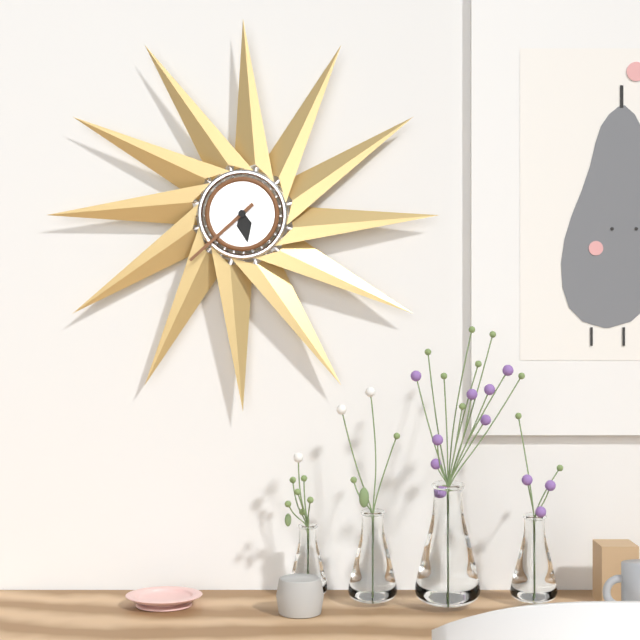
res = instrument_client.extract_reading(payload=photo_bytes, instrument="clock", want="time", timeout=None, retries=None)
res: 5:38
